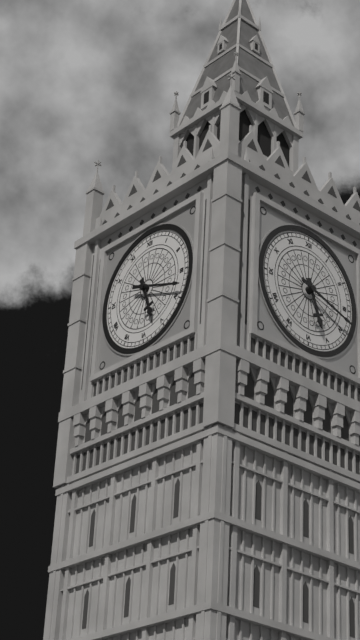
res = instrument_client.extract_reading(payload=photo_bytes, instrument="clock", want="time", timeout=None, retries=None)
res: 5:18
